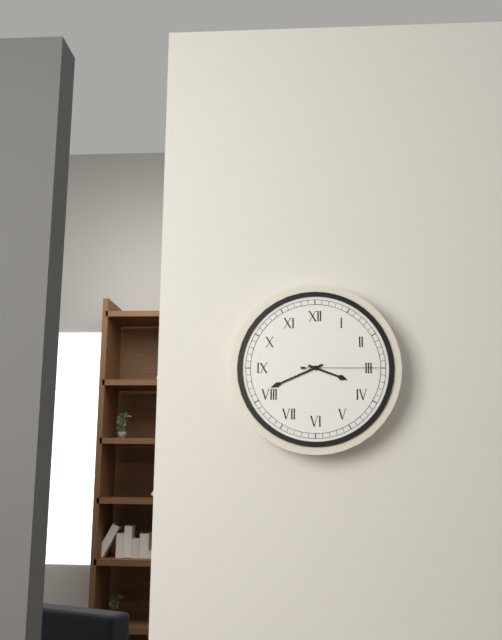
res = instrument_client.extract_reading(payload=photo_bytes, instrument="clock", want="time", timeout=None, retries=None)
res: 3:41:15
